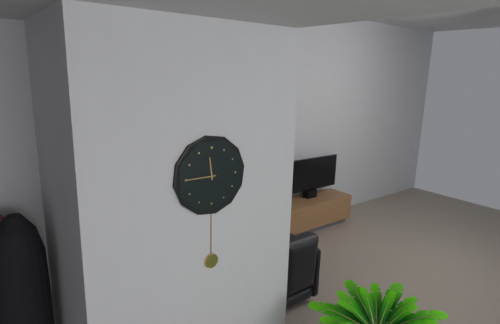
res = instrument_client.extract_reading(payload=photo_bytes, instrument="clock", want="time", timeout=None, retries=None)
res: 11:45
